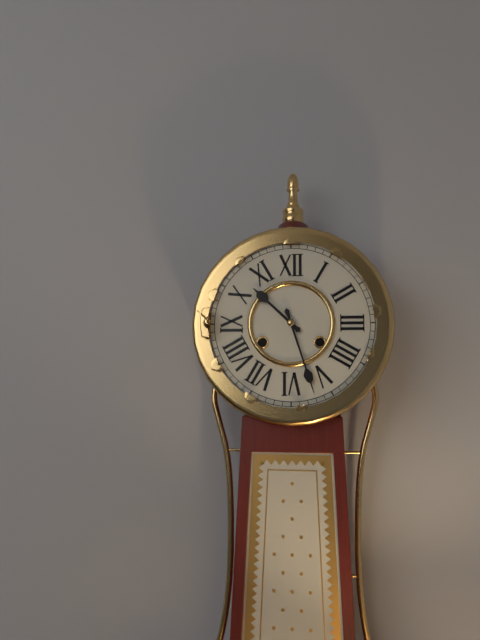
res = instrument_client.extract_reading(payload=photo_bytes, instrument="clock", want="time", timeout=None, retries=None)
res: 10:27
